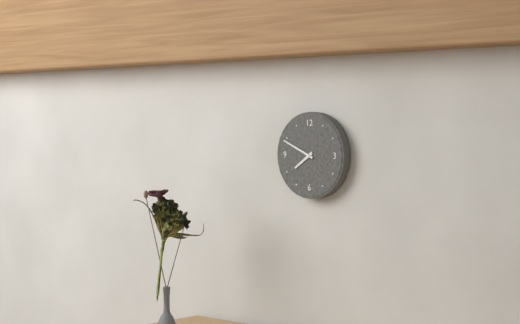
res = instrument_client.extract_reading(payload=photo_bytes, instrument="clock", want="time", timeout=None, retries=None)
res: 7:49
